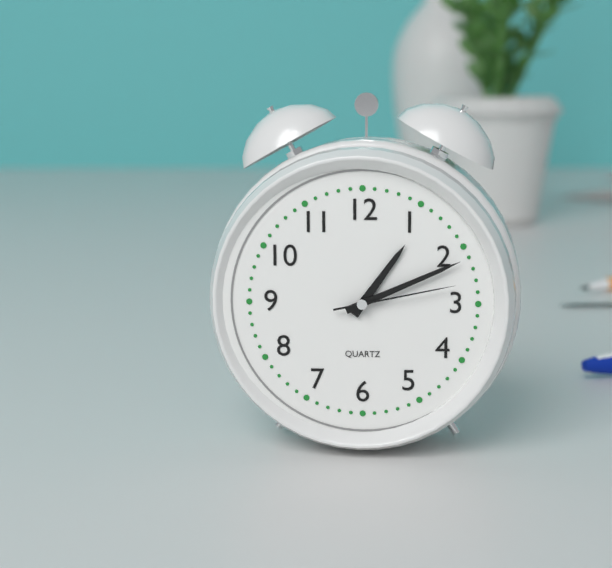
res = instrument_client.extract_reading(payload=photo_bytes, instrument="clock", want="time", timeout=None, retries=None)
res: 1:11:13
